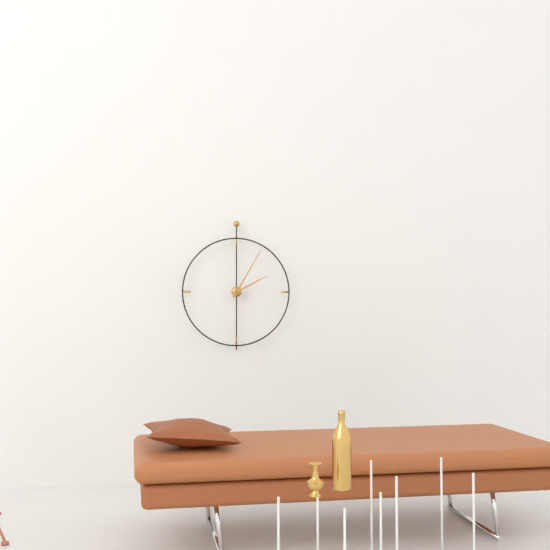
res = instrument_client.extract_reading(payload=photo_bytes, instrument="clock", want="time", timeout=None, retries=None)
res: 2:05
